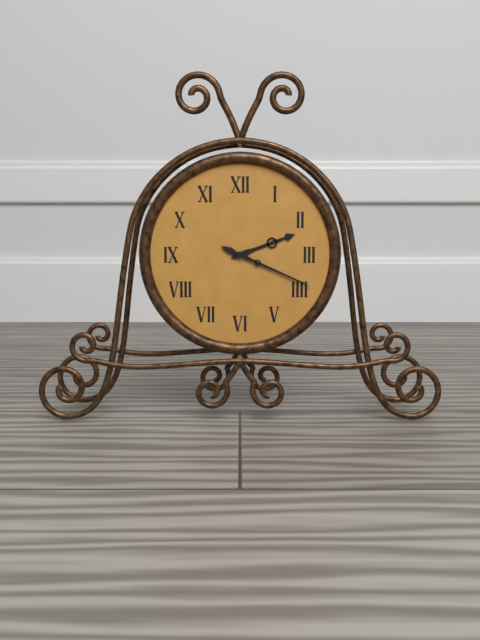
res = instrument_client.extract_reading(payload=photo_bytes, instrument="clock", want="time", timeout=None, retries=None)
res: 2:19
